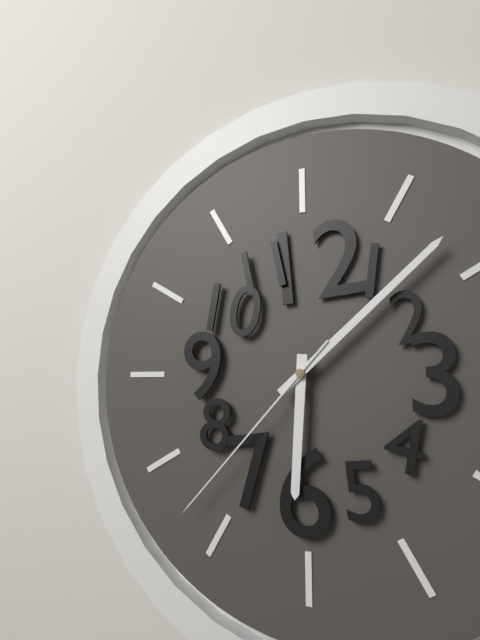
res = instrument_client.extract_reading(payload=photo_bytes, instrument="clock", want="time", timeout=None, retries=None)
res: 6:08:37
